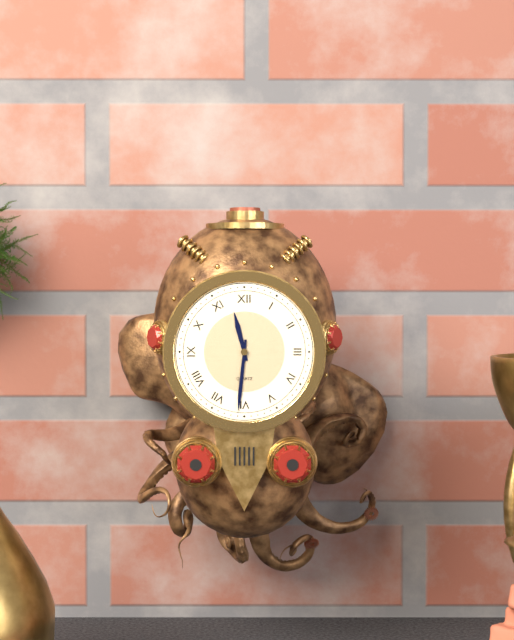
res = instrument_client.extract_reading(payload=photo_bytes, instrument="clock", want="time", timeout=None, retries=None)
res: 11:31
